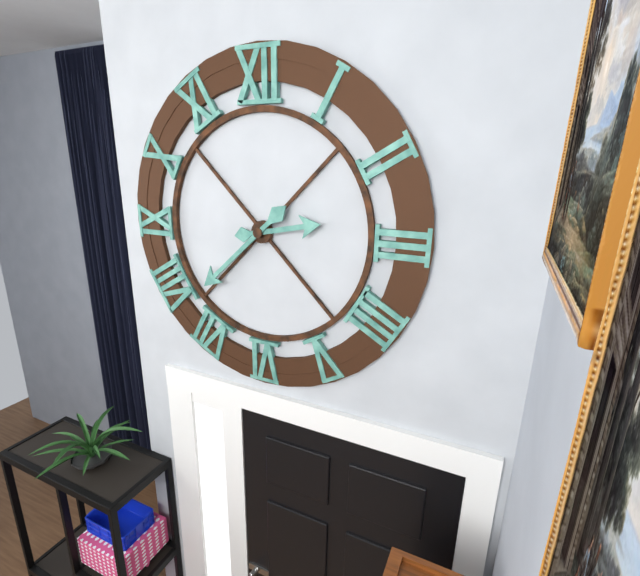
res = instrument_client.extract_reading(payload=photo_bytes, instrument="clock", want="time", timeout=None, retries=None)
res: 2:38
